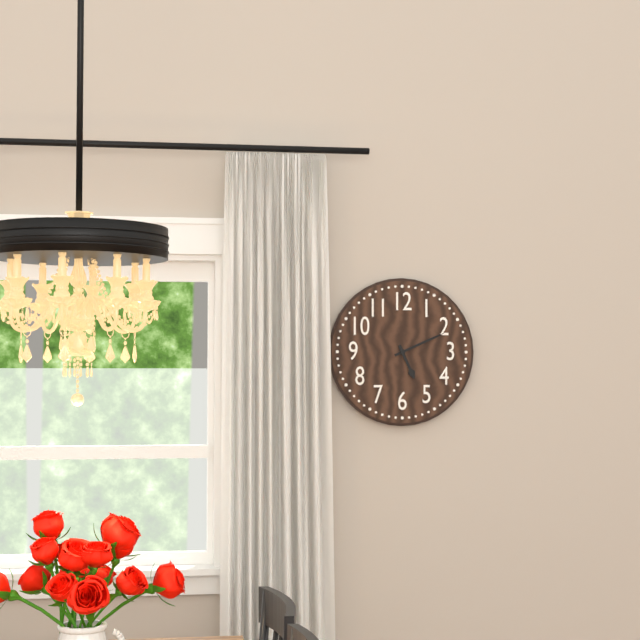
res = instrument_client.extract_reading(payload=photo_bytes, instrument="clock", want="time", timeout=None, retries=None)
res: 5:11
